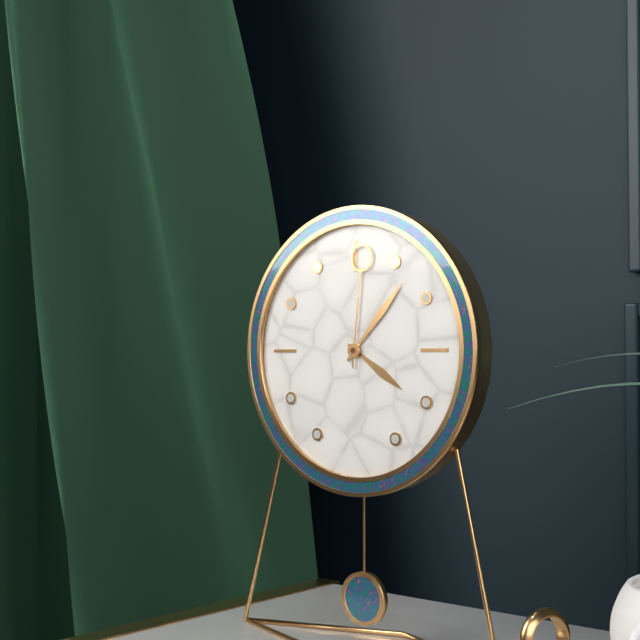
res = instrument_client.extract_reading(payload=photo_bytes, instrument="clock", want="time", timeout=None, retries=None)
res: 4:07:01
